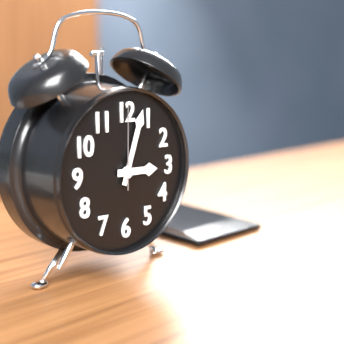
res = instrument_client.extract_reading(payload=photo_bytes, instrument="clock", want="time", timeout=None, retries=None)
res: 3:03:00
